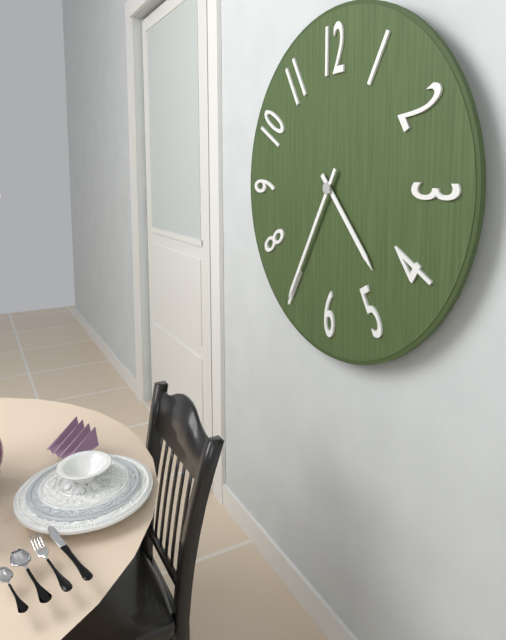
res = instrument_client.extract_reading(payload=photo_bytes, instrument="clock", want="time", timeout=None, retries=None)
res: 4:35
